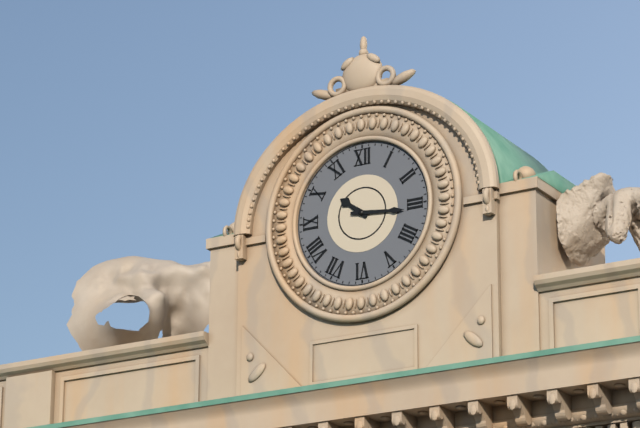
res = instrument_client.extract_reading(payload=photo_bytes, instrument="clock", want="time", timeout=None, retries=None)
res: 10:16
